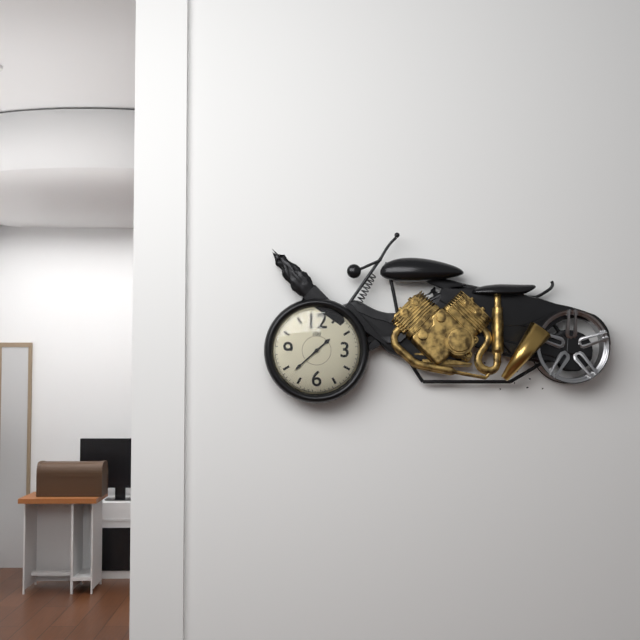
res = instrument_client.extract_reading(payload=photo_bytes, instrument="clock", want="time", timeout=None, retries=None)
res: 1:38
